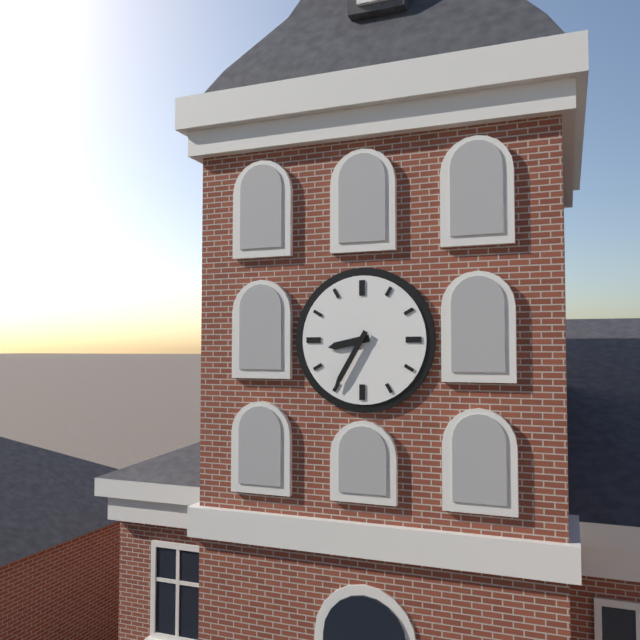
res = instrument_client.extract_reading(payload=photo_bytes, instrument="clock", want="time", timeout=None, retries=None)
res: 8:35
